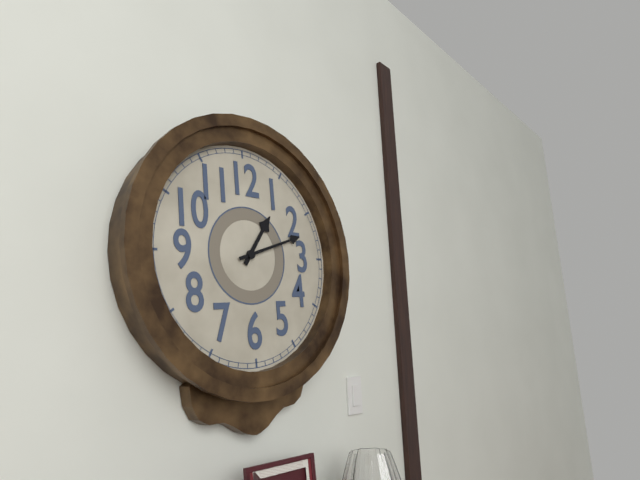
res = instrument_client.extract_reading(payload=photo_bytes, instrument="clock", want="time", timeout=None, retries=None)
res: 1:12
